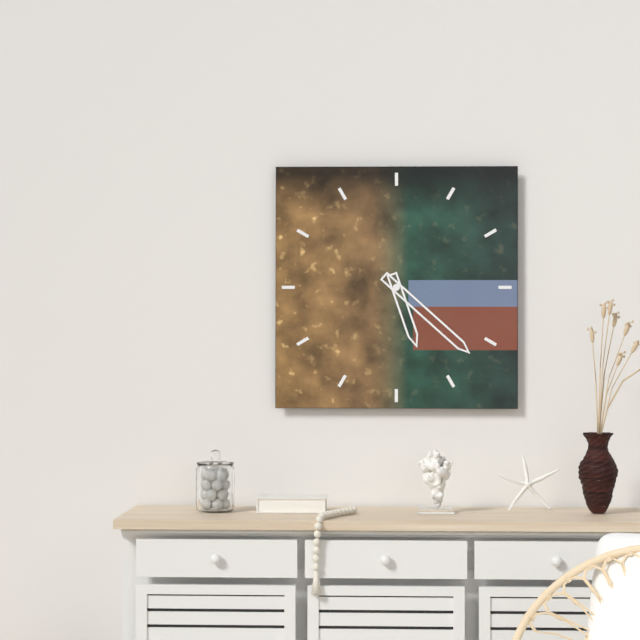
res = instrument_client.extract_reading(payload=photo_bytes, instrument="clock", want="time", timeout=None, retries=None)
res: 5:22
